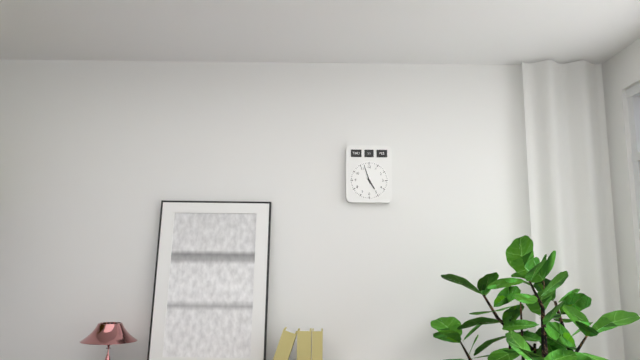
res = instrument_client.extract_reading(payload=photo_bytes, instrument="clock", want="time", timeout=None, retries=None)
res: 4:57
